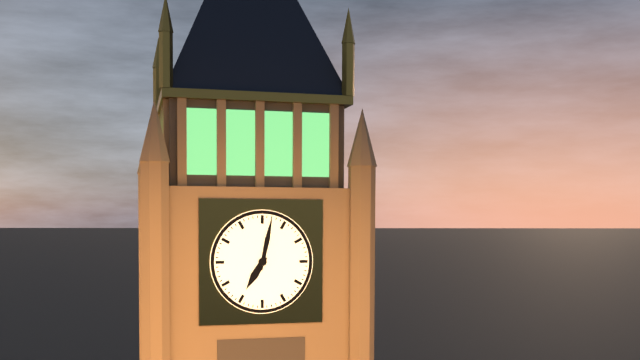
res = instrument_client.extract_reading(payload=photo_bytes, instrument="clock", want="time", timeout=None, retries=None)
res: 7:02
